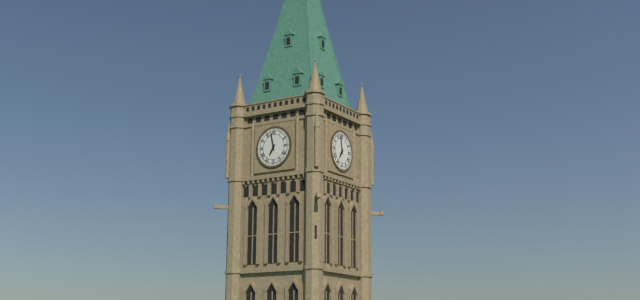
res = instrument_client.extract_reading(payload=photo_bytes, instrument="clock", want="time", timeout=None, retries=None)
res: 6:58
